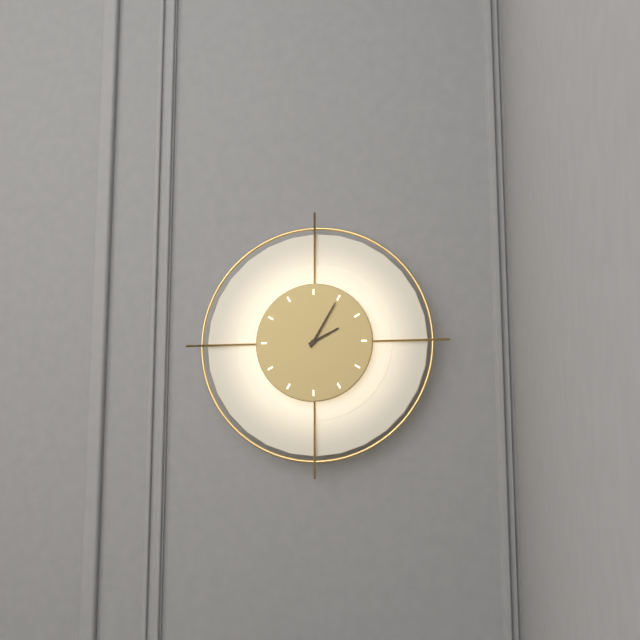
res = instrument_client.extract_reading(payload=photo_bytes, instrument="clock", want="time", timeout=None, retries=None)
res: 2:05
